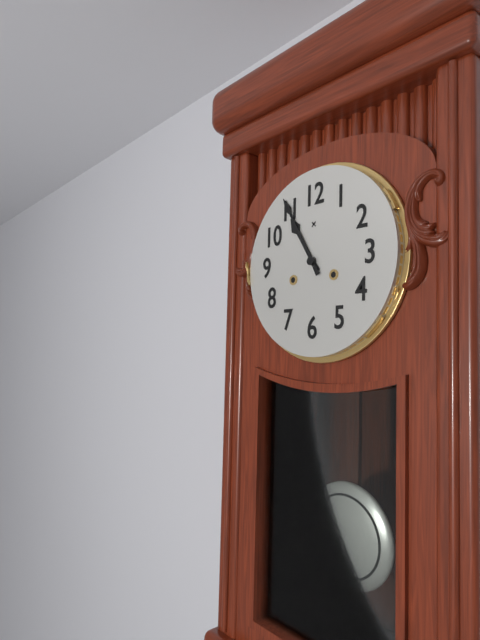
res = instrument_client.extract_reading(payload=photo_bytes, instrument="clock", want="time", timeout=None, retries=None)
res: 10:55
